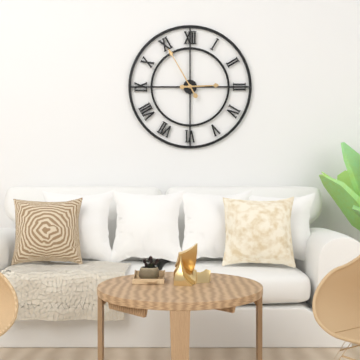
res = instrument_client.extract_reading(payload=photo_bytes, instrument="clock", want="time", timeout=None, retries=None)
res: 2:55
